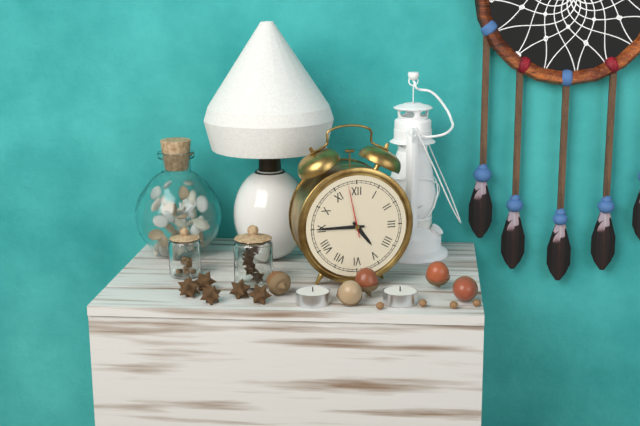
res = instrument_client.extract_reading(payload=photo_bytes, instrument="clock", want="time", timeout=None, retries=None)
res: 4:45:58
